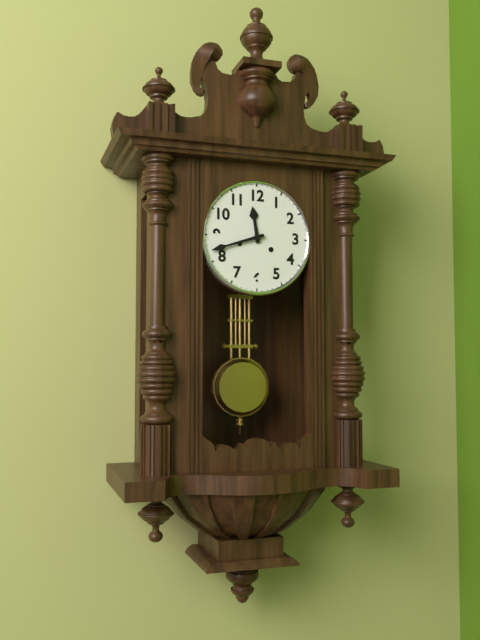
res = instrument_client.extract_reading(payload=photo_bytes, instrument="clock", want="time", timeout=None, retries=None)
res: 11:42
